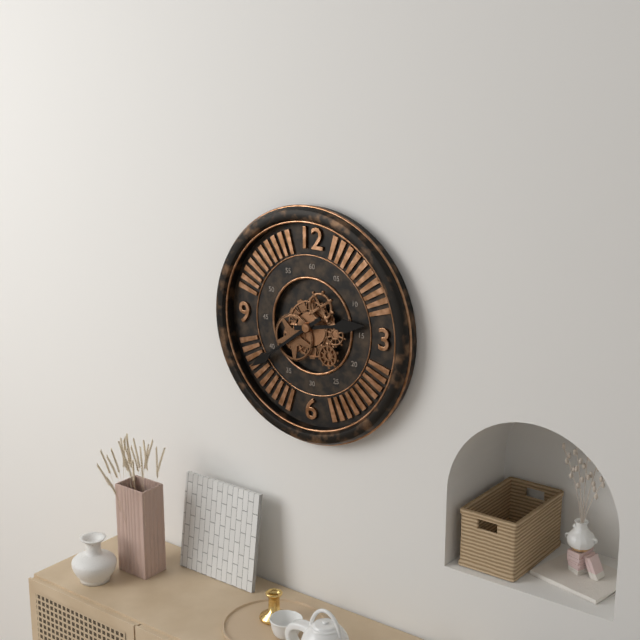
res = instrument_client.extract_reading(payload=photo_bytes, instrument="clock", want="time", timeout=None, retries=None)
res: 2:39
